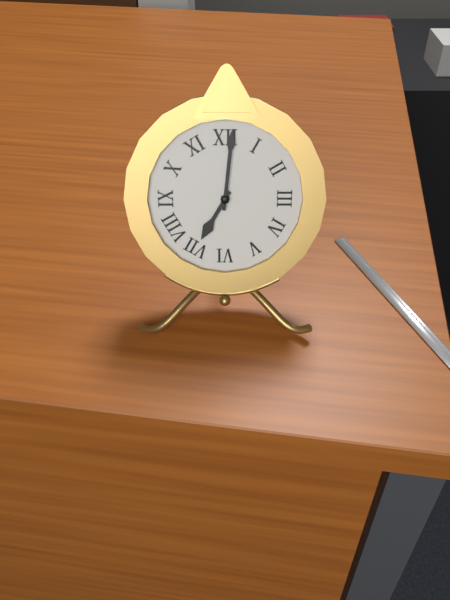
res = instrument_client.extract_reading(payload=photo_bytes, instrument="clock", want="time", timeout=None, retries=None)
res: 7:01
